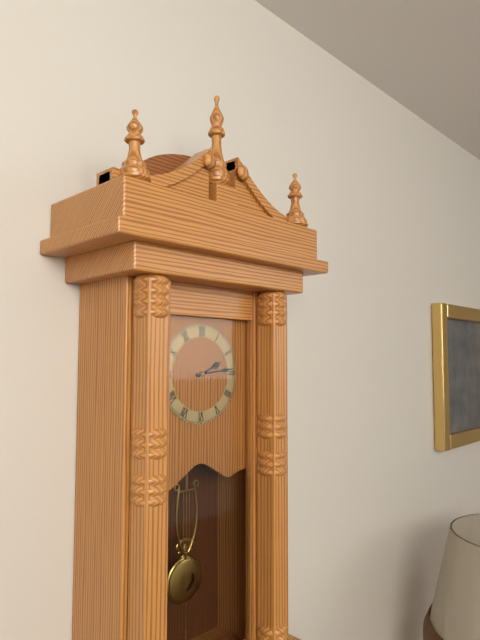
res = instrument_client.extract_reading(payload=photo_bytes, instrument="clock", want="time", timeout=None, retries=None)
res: 2:14
